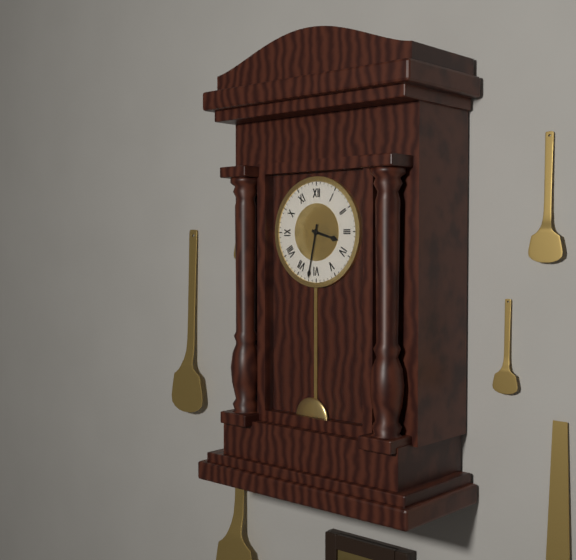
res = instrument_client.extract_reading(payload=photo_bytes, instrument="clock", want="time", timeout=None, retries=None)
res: 3:32
